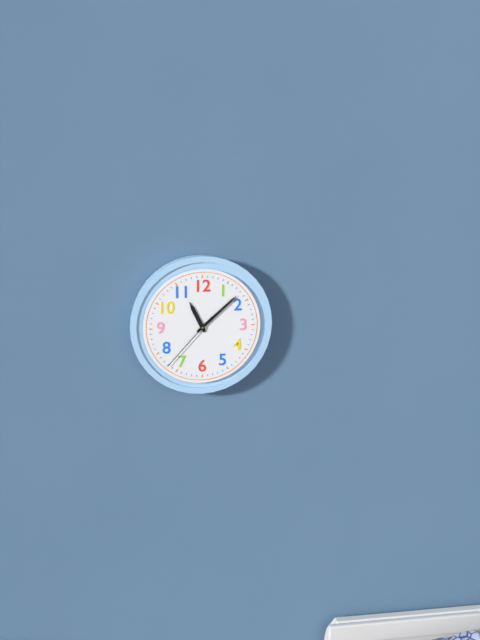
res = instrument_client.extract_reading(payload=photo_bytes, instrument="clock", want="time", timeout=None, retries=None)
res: 11:08:37
